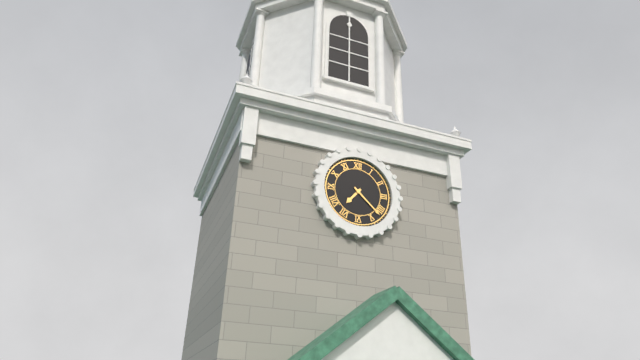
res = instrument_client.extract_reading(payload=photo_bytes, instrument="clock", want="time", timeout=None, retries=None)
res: 7:22
